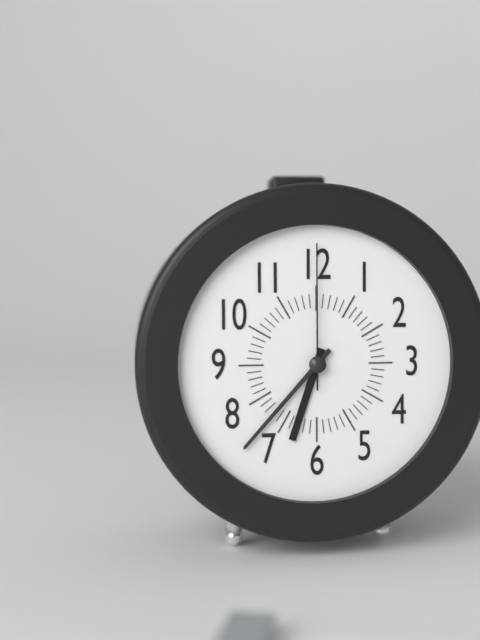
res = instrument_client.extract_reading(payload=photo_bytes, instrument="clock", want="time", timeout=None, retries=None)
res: 6:37:00
